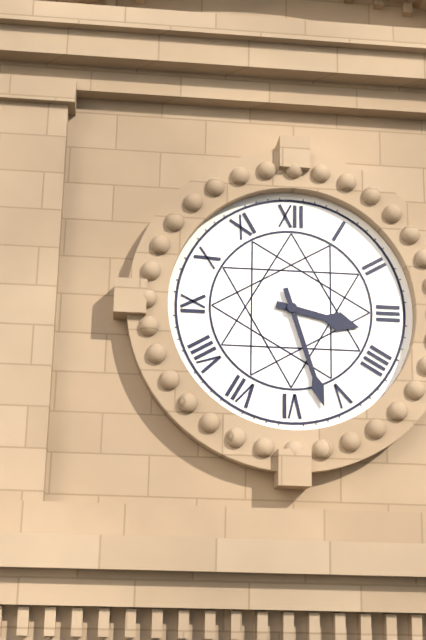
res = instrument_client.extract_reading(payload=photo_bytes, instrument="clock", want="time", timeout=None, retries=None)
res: 3:27
